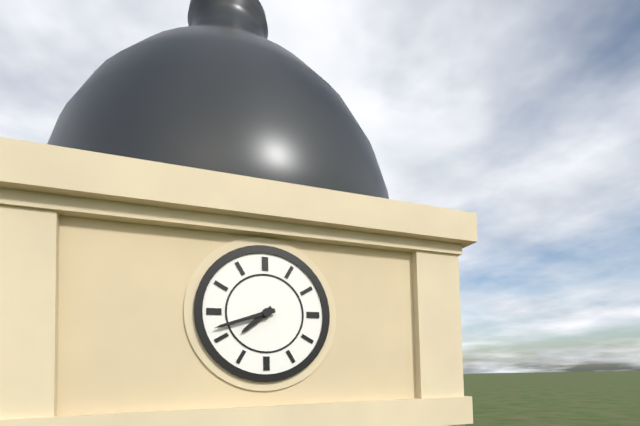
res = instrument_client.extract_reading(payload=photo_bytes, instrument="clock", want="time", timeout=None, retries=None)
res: 7:42
